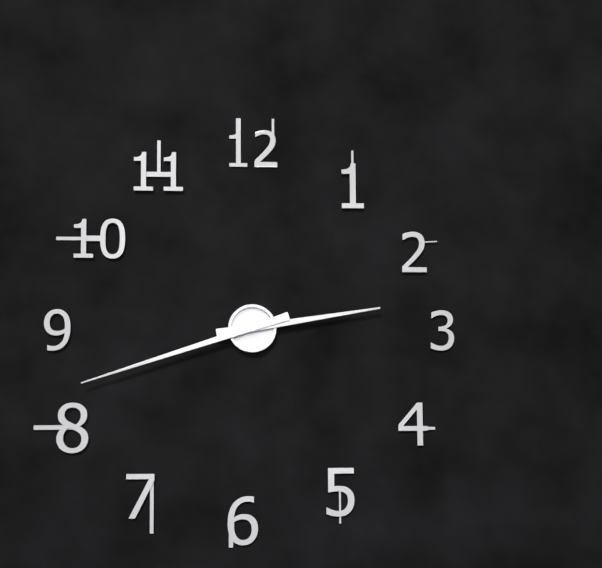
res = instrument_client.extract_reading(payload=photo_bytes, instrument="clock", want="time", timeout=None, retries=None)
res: 2:42
